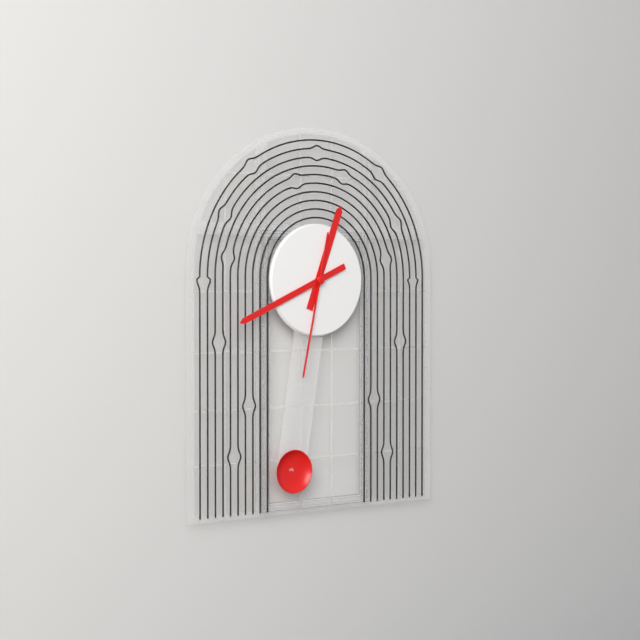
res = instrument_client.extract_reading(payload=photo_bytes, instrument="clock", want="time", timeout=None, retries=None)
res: 12:41:32
